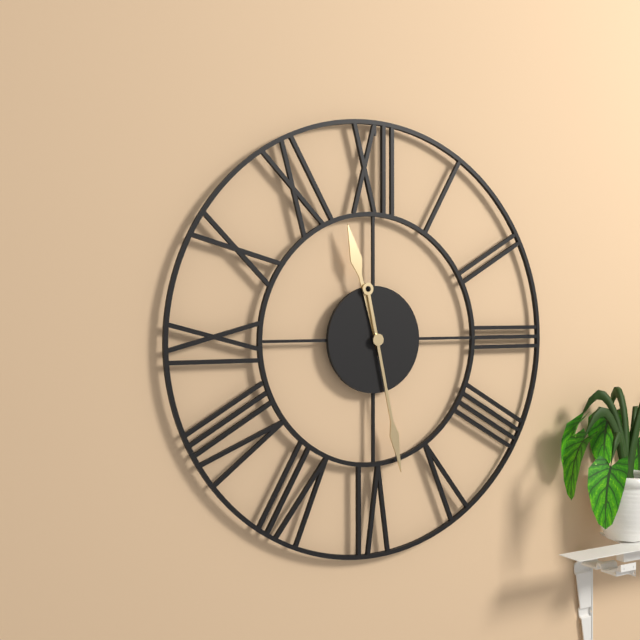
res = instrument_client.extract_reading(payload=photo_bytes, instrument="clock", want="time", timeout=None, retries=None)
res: 11:28
